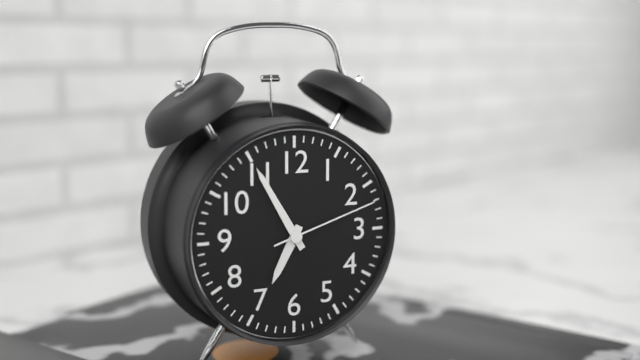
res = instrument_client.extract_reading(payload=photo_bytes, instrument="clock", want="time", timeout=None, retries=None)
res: 6:55:12
